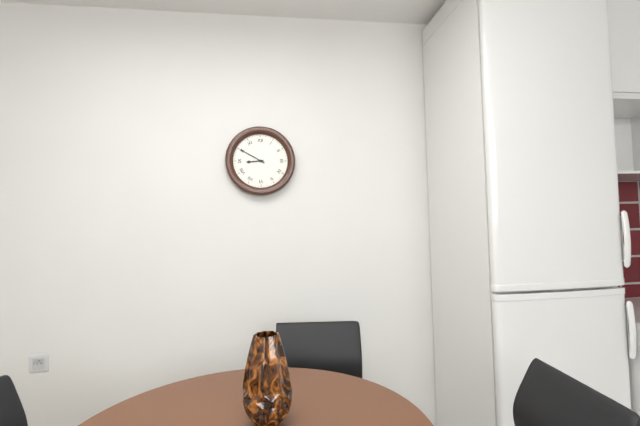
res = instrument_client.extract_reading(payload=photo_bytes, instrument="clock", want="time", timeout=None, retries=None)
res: 8:50
